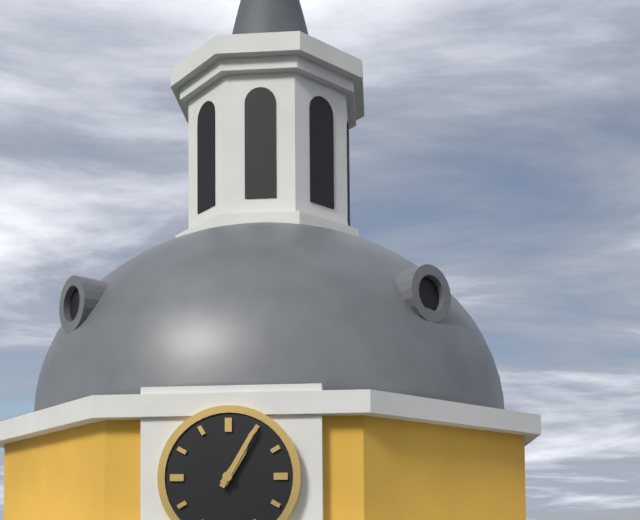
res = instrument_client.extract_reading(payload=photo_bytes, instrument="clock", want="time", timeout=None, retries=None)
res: 1:05
